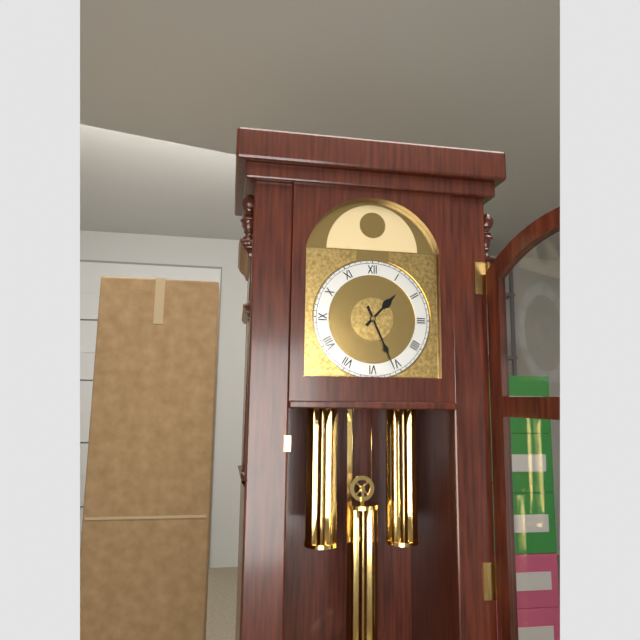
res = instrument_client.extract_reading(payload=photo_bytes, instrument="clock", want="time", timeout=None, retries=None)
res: 1:26
